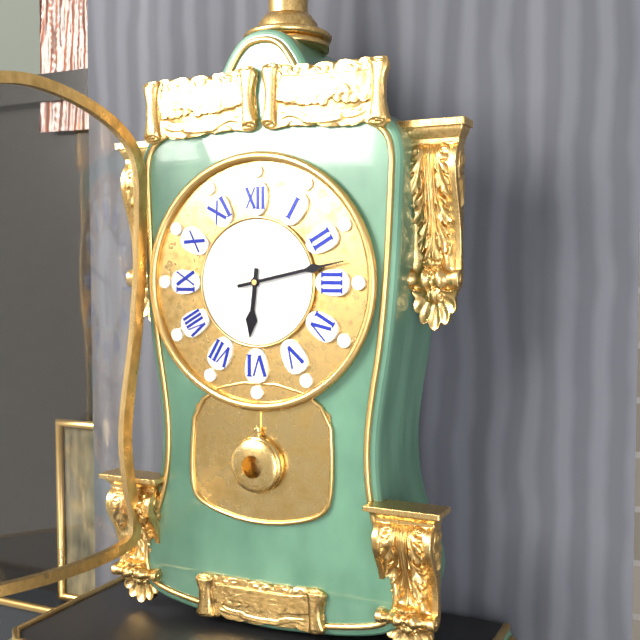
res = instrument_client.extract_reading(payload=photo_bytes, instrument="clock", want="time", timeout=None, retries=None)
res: 6:13
